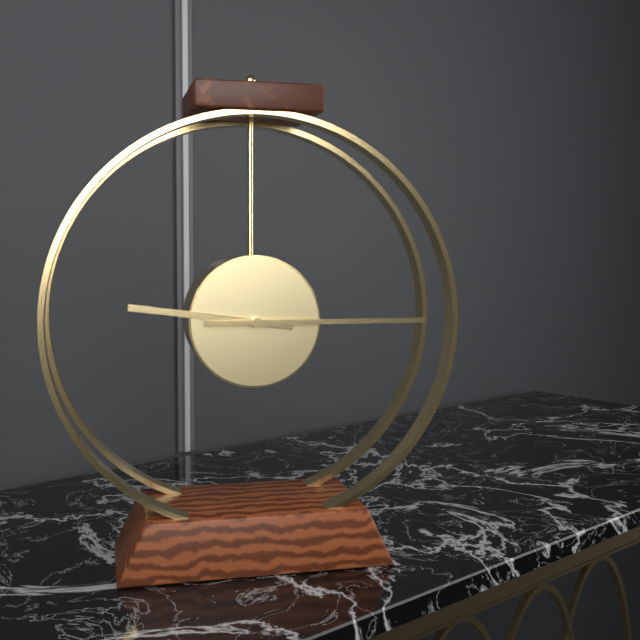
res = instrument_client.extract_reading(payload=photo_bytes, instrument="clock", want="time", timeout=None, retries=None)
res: 9:15
